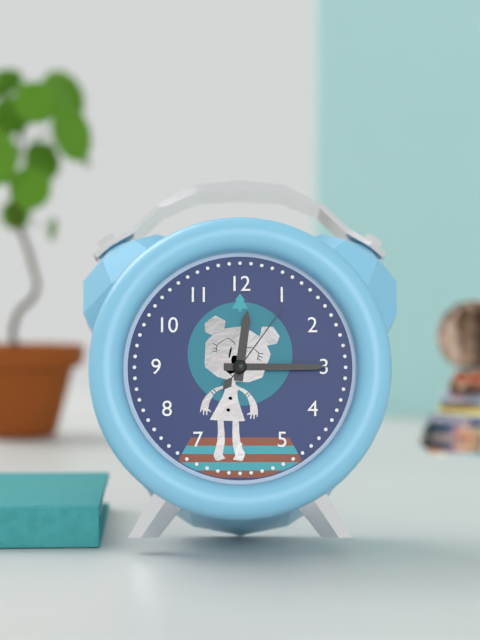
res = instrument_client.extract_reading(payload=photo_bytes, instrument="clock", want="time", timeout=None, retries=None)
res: 12:15:06
